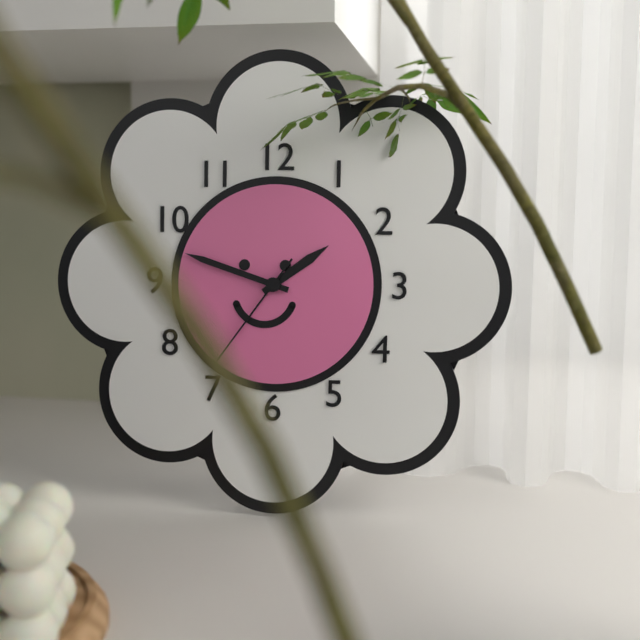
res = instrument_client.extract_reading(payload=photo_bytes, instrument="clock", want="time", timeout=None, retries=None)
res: 1:48:36
